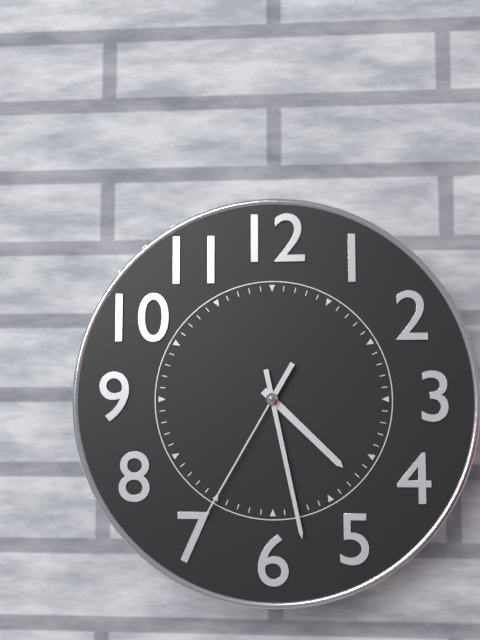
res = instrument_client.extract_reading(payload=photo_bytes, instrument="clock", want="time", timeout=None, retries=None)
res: 4:28:35
